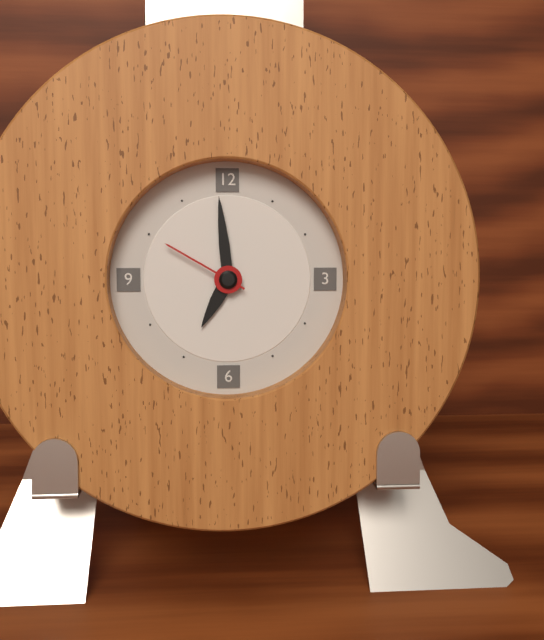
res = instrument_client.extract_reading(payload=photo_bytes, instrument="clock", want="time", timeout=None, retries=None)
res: 6:59:50
